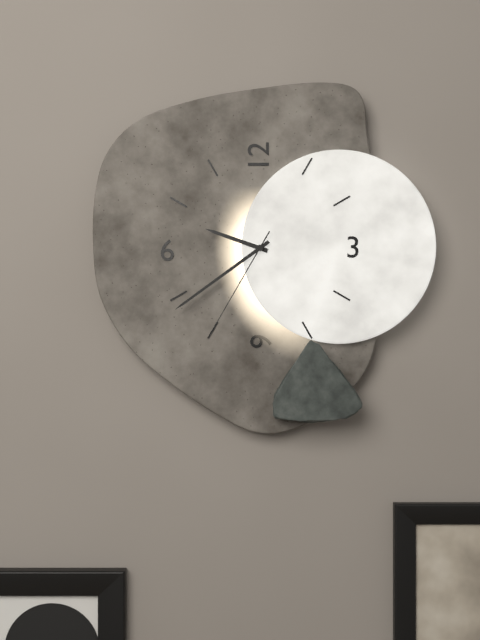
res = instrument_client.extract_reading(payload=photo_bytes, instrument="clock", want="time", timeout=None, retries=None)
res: 9:39:35
